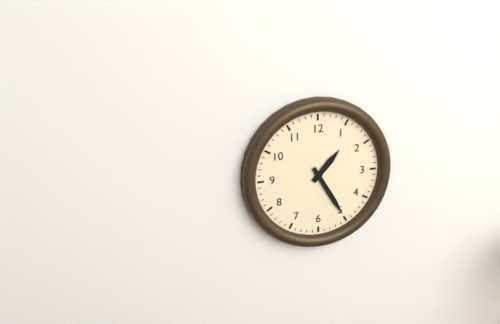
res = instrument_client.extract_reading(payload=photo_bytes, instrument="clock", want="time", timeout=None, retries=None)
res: 1:25
